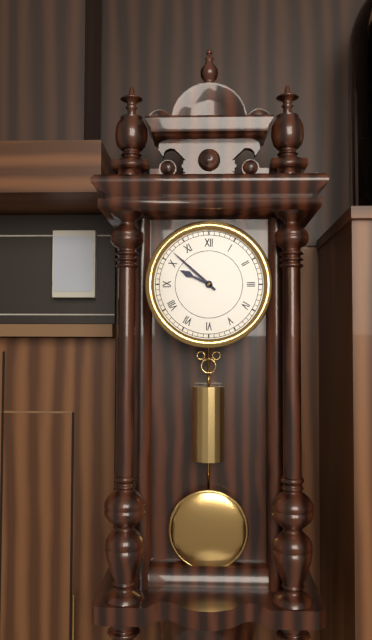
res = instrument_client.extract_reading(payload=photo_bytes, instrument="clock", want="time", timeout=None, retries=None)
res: 9:52
